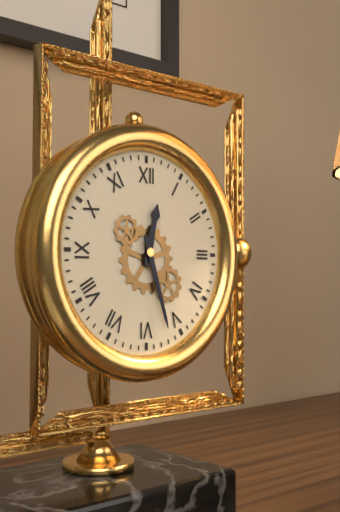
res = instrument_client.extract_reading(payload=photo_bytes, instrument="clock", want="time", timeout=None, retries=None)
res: 12:27
